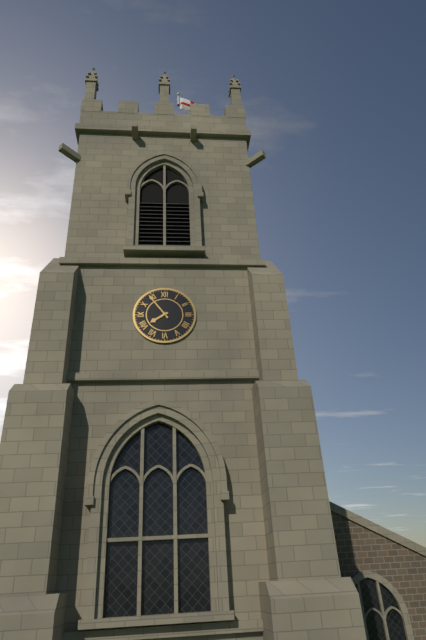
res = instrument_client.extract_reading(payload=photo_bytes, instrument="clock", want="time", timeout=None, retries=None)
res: 7:54
